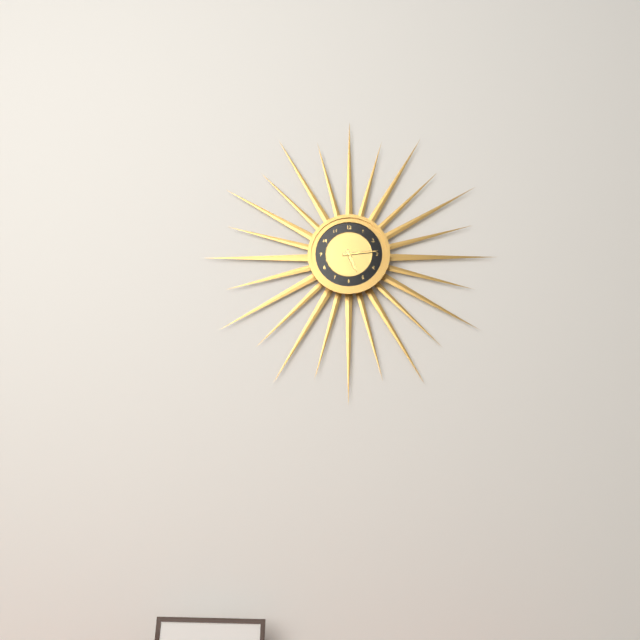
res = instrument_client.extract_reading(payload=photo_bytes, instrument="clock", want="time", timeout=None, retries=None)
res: 5:14
